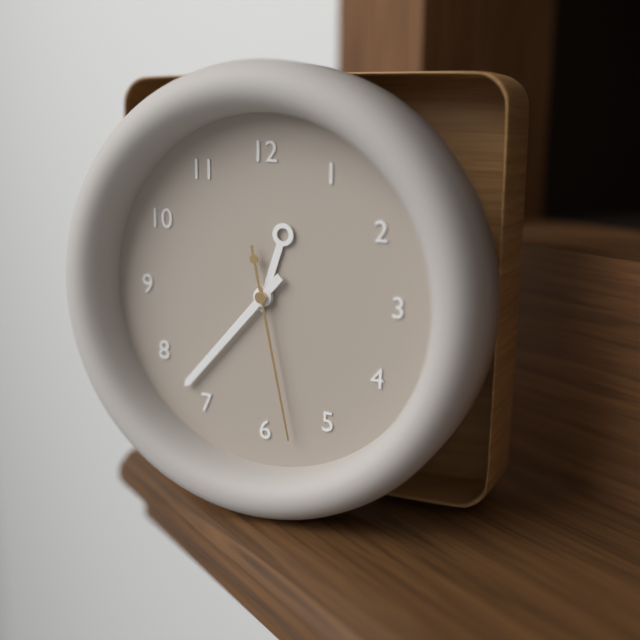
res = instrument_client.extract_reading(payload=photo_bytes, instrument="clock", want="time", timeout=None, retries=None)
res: 12:37:28
